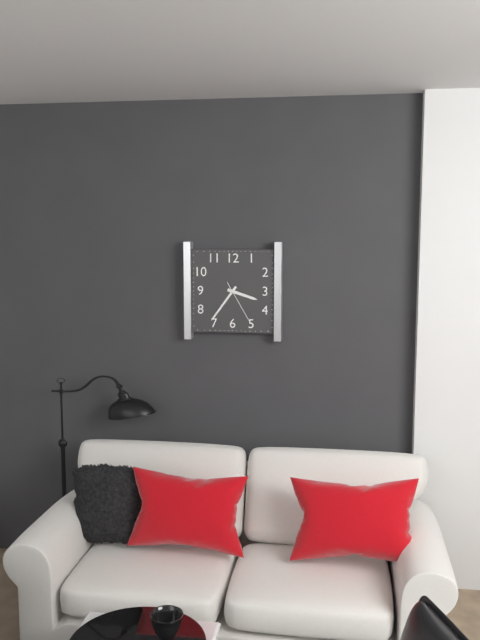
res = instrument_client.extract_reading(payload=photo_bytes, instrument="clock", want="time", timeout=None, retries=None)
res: 3:36
